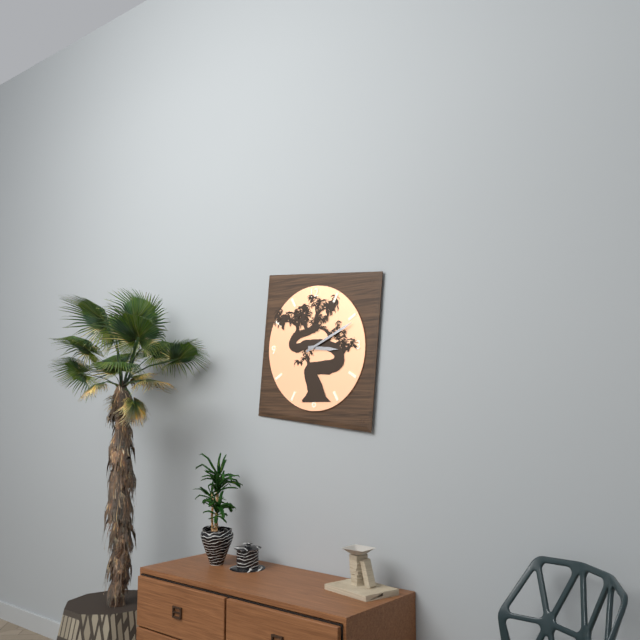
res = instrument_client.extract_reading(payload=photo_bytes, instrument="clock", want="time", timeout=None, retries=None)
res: 3:11
